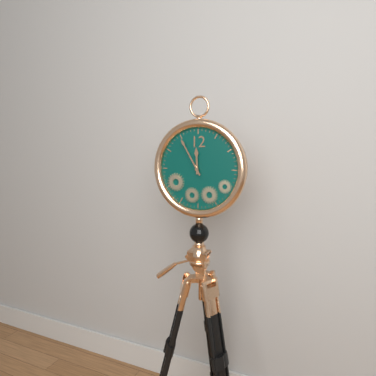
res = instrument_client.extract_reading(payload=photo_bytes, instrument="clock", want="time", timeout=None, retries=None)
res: 11:55
